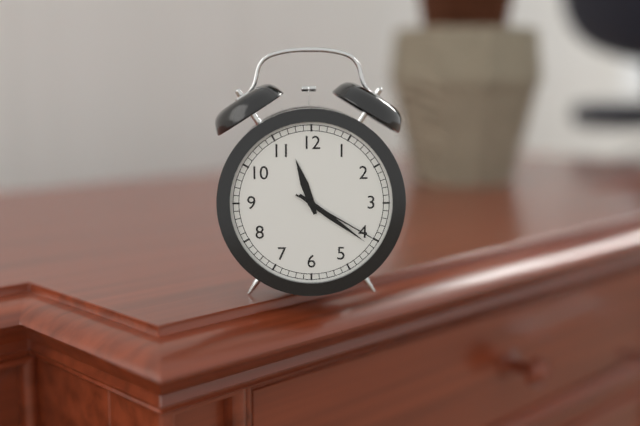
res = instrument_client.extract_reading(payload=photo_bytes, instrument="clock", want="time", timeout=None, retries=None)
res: 11:21:20
